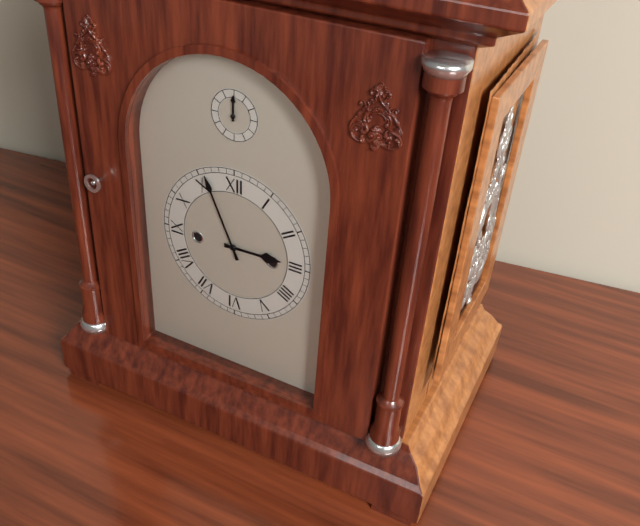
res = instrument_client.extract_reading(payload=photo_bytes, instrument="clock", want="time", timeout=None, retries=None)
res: 2:56
